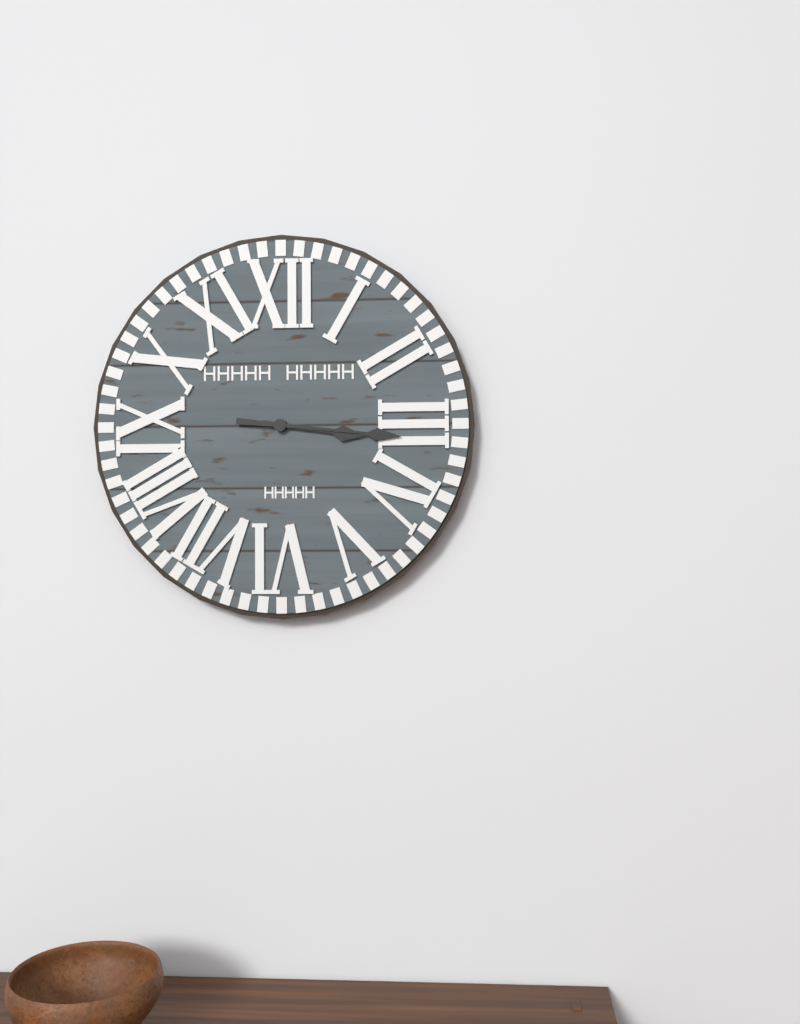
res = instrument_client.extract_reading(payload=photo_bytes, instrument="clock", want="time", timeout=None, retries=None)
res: 3:16
